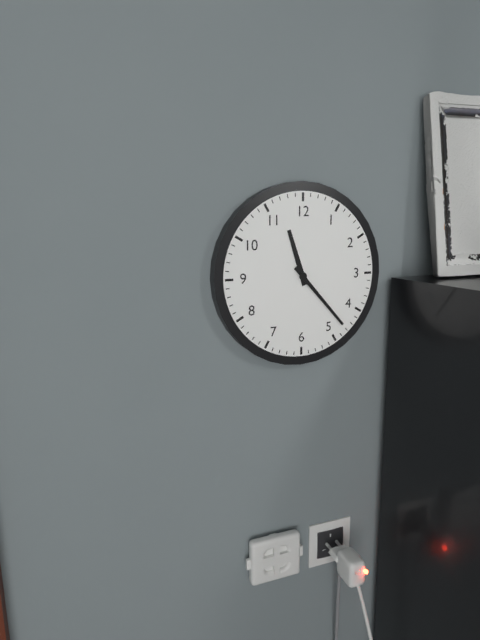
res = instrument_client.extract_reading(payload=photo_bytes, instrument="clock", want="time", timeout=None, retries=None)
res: 11:23
